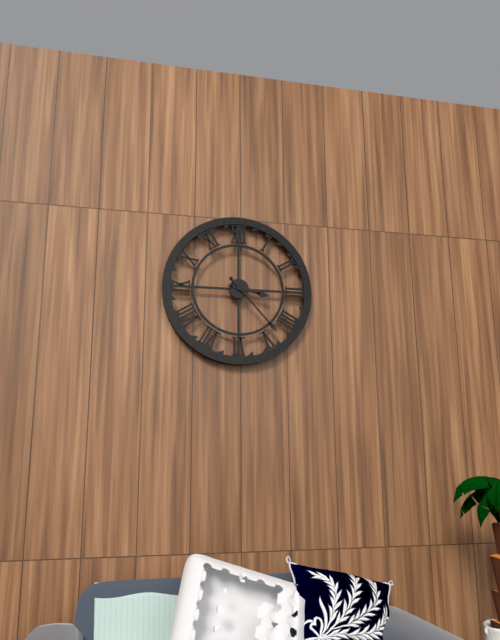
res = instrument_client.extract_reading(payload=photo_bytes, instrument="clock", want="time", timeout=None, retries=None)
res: 3:23
